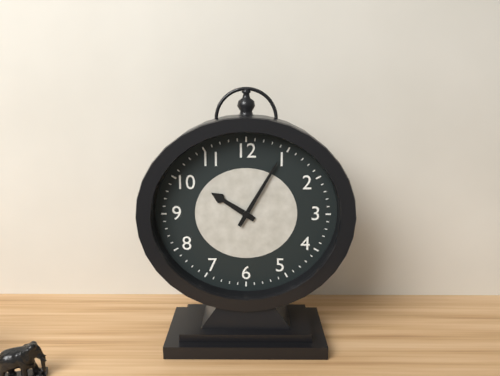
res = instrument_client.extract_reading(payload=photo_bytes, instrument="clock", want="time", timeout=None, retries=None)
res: 10:05
